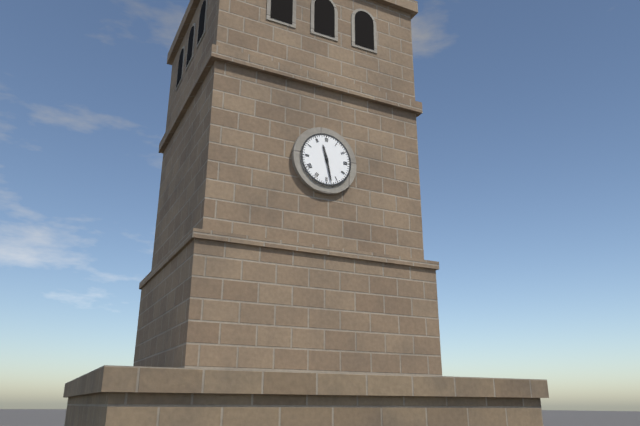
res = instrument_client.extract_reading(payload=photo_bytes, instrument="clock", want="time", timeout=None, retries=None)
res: 11:28
